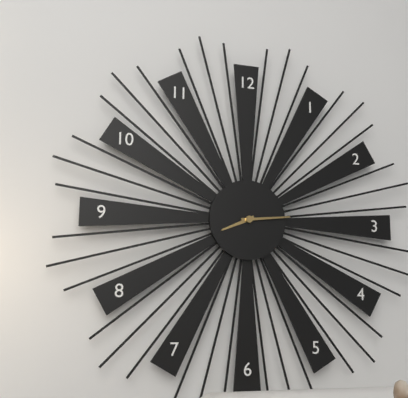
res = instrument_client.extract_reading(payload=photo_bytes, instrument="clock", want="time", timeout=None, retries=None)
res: 8:14
